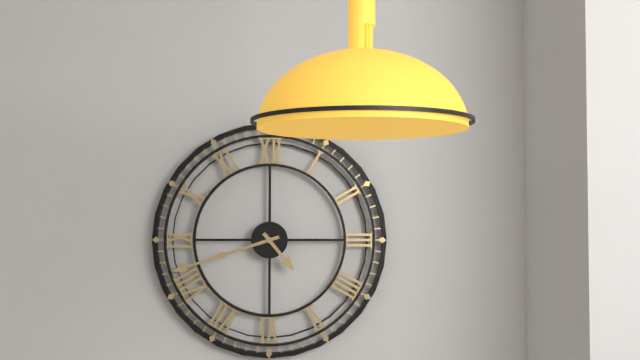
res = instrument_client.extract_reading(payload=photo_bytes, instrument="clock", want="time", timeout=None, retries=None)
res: 4:42
